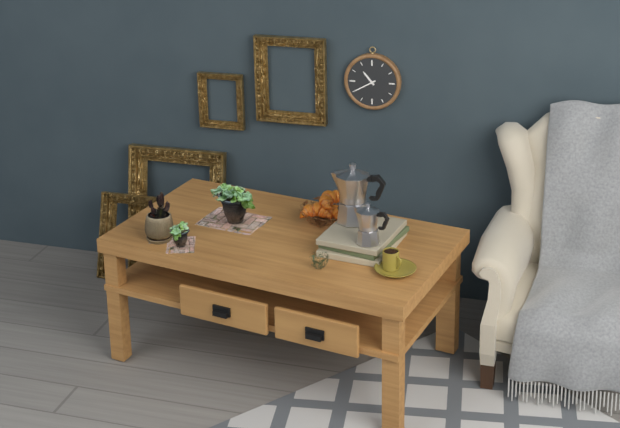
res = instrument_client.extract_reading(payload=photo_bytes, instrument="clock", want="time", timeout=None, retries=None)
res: 10:40
